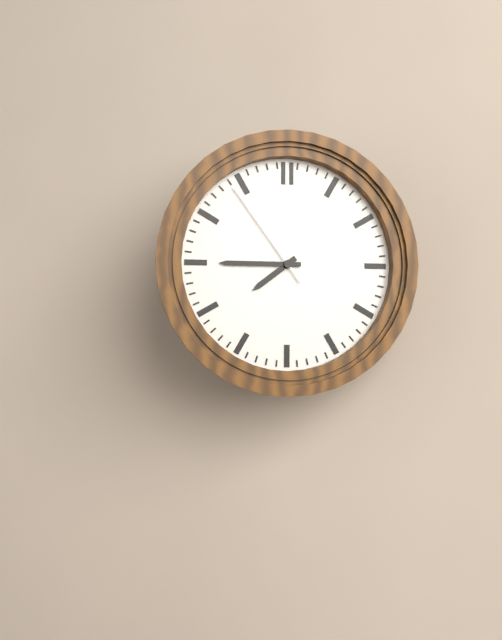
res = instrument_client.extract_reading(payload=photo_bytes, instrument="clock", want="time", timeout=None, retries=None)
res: 7:45:54
